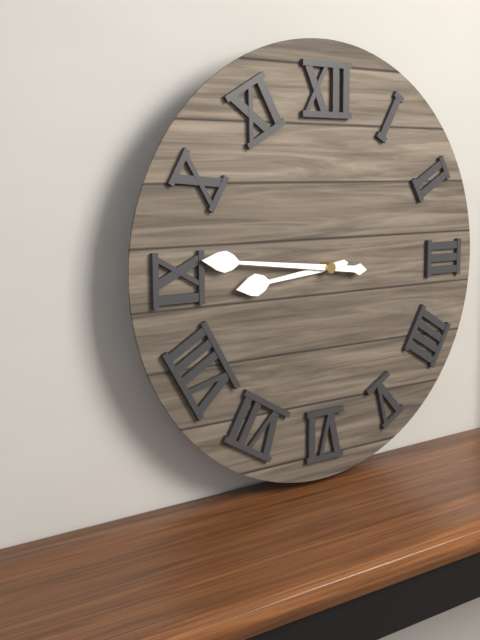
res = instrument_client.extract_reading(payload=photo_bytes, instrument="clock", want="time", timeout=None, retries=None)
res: 8:46
